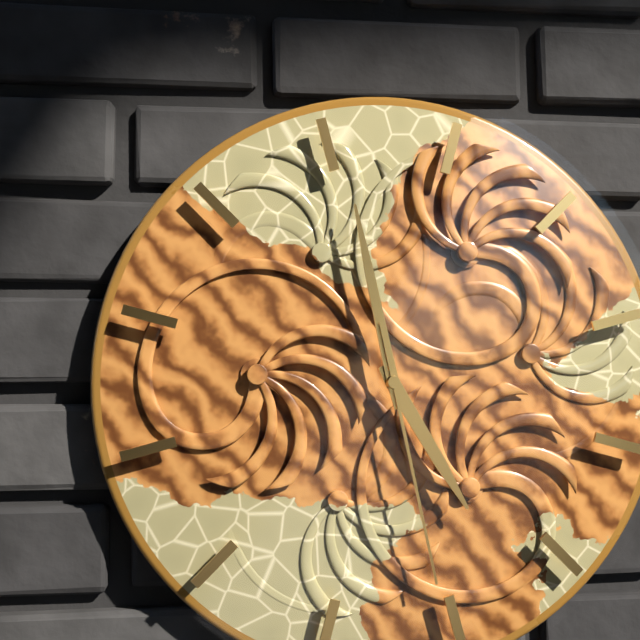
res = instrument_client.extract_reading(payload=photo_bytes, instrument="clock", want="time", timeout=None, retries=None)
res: 4:58:28
